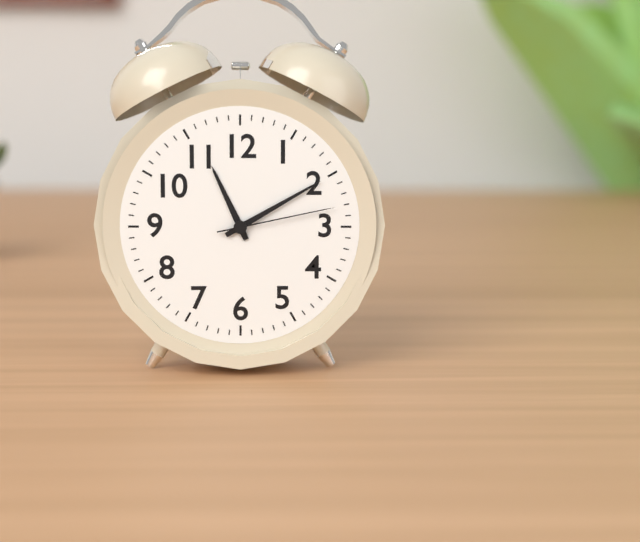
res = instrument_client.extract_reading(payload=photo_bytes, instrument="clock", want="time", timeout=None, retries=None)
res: 11:10:13
